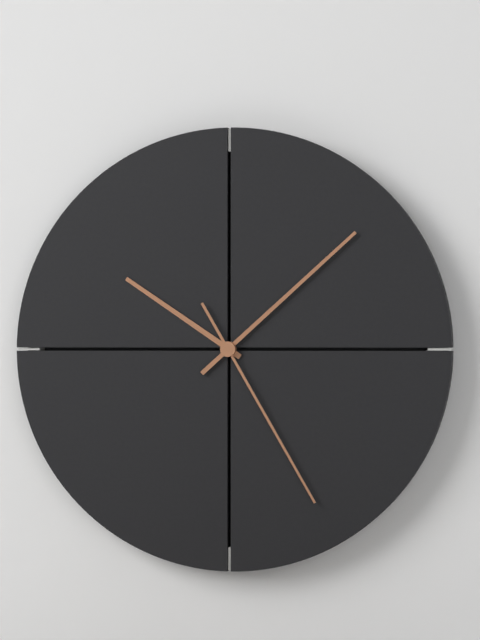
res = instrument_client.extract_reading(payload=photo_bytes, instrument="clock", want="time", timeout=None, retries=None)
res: 10:08:25
